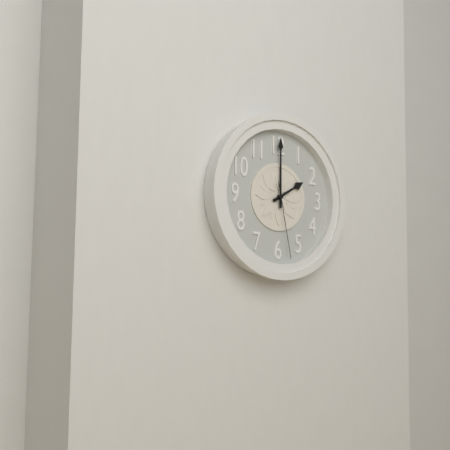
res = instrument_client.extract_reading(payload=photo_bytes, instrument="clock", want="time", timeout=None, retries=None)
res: 2:00:28
